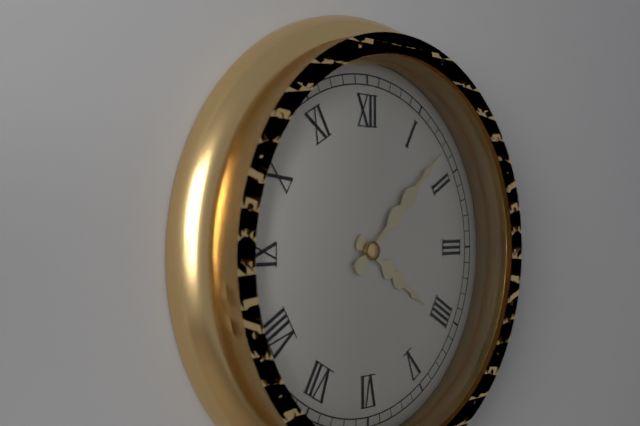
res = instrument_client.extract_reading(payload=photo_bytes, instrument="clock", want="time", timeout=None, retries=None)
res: 4:08
